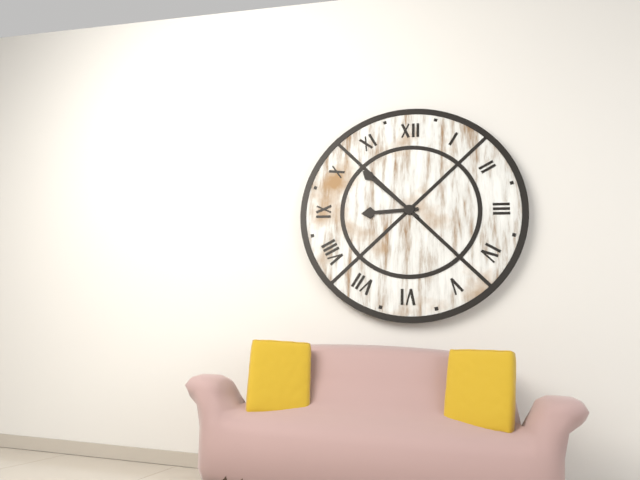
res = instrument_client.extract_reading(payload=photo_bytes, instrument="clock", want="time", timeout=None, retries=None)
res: 8:52
